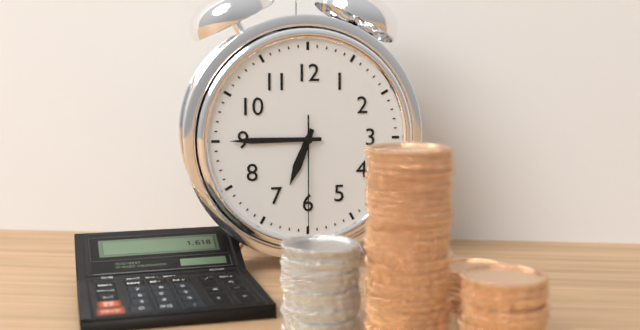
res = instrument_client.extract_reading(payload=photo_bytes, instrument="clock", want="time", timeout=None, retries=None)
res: 6:45:30
